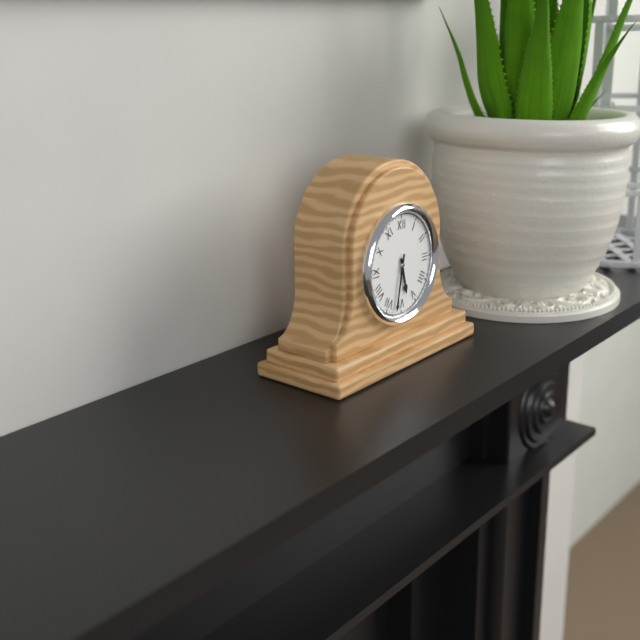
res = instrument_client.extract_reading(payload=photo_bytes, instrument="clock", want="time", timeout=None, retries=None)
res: 5:32
